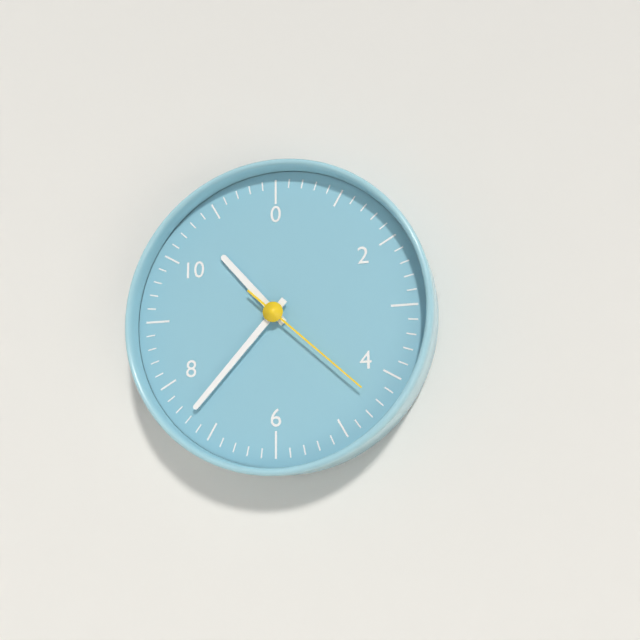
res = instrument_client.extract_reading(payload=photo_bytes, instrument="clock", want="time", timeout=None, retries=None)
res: 10:37:22
